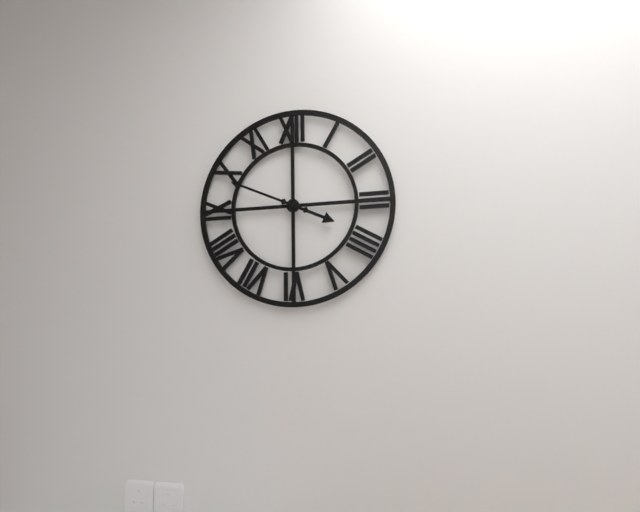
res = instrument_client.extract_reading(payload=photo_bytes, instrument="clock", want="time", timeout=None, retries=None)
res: 3:49
